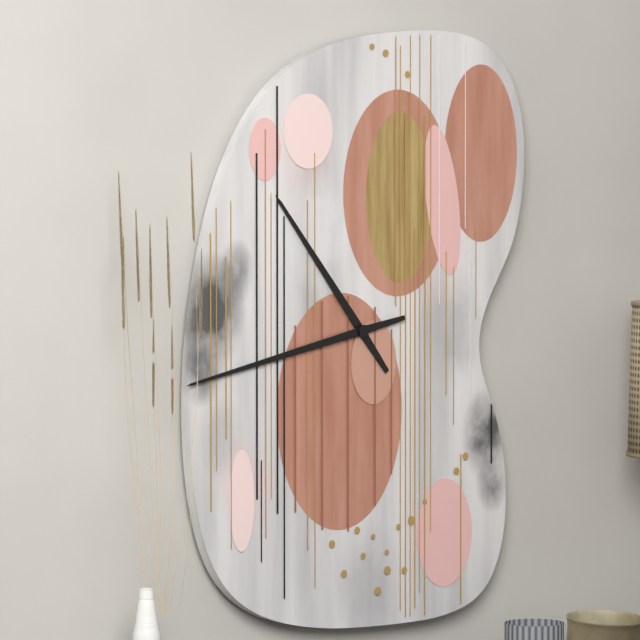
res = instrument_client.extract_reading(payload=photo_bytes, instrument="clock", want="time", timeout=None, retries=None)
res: 10:43
